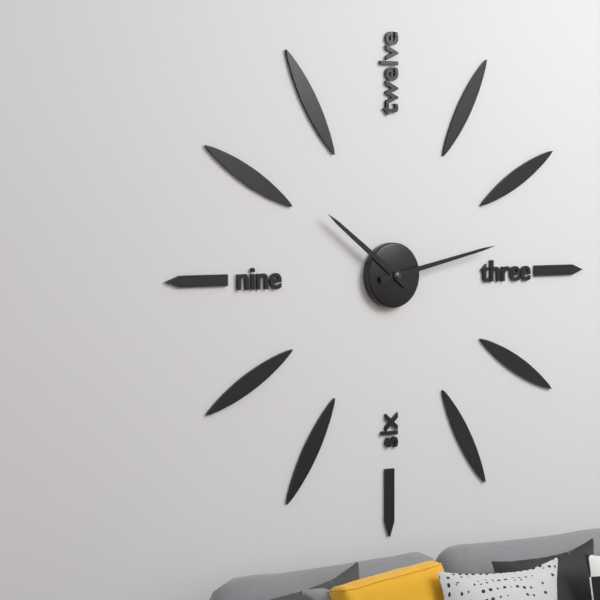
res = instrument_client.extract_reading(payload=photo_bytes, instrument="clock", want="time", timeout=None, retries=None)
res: 10:13
